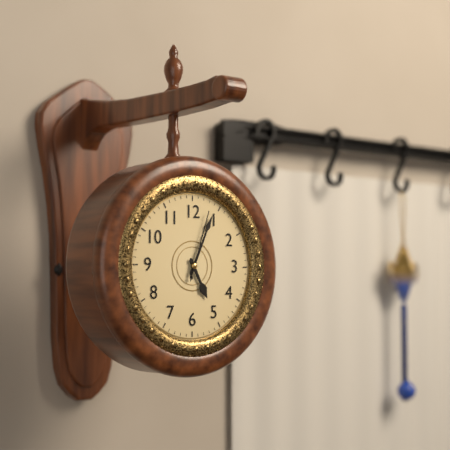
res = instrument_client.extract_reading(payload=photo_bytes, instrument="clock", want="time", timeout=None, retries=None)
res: 5:04:03
